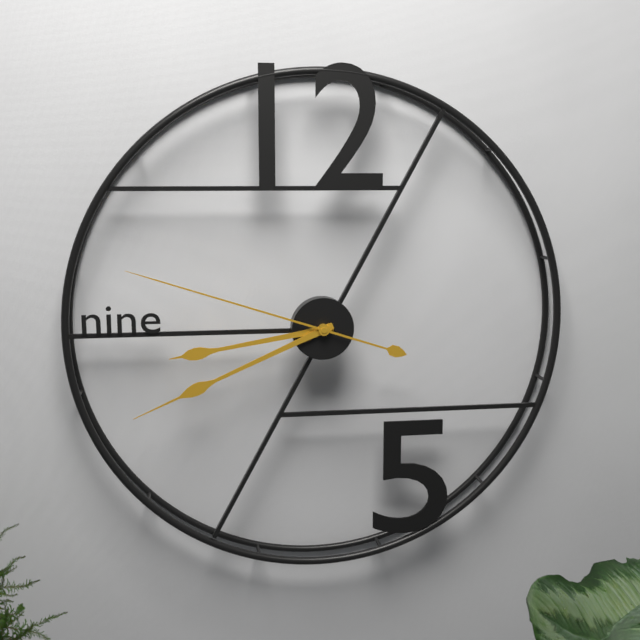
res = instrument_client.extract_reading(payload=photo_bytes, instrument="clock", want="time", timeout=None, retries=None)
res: 8:41:48
